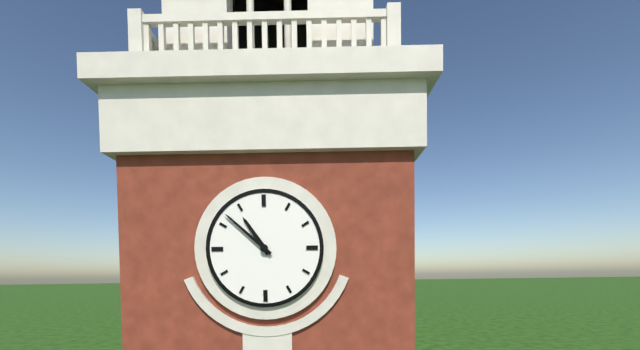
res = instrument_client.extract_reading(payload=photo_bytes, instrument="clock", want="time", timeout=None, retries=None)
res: 10:52
